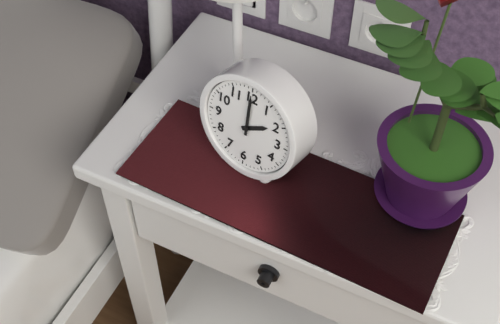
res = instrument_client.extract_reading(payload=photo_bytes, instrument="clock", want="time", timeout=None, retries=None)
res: 2:00
